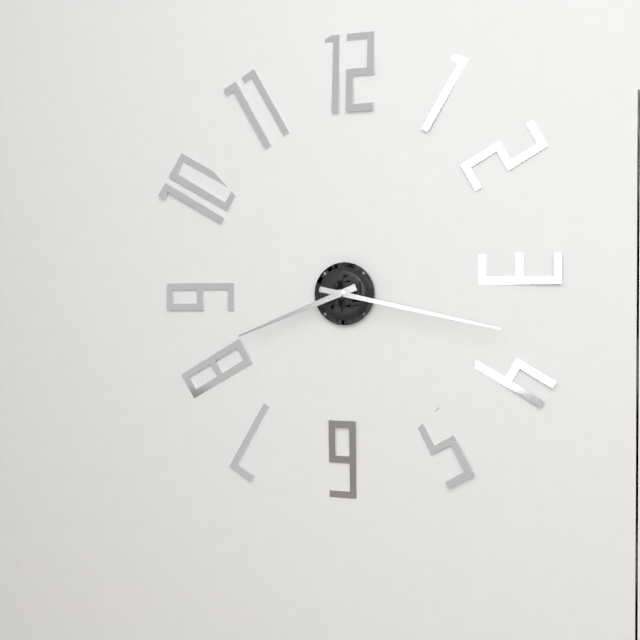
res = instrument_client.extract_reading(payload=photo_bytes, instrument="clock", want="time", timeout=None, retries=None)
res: 8:17
